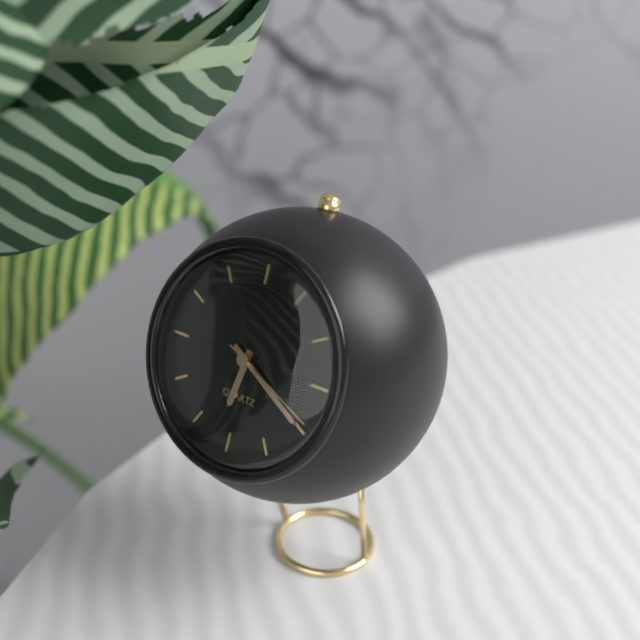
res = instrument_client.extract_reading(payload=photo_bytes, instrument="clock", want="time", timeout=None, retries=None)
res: 6:20:19
